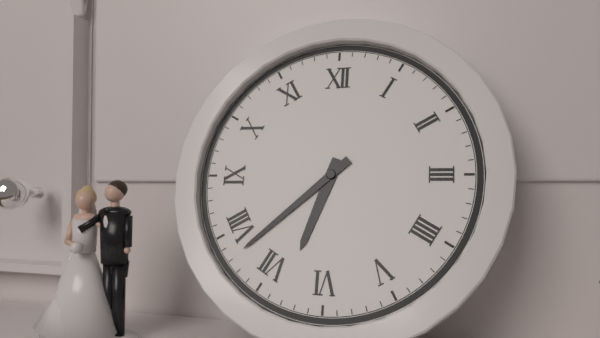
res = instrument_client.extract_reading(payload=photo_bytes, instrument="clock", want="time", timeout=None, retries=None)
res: 6:38
